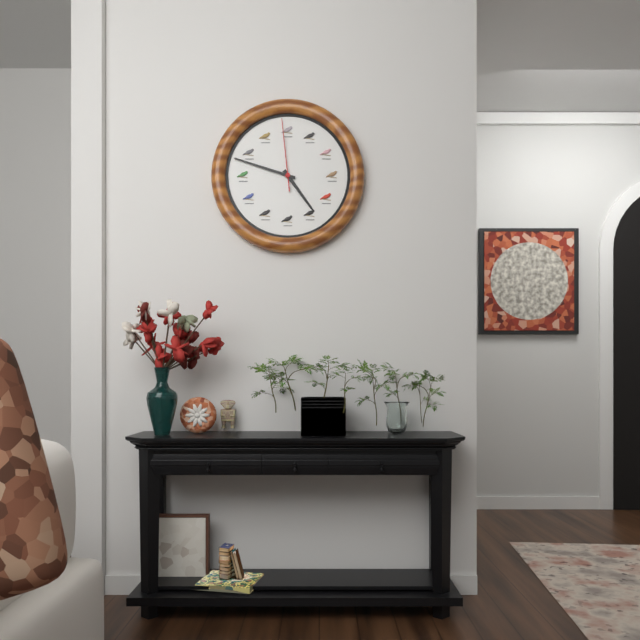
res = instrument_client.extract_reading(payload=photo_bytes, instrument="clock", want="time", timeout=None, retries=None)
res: 4:48:59
